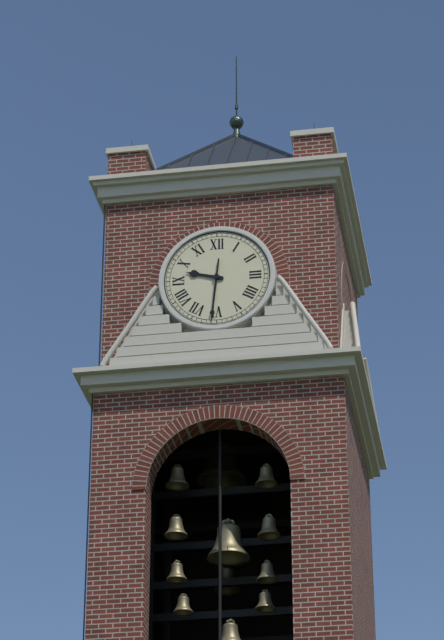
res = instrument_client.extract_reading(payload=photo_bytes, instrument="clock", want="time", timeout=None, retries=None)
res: 9:31
